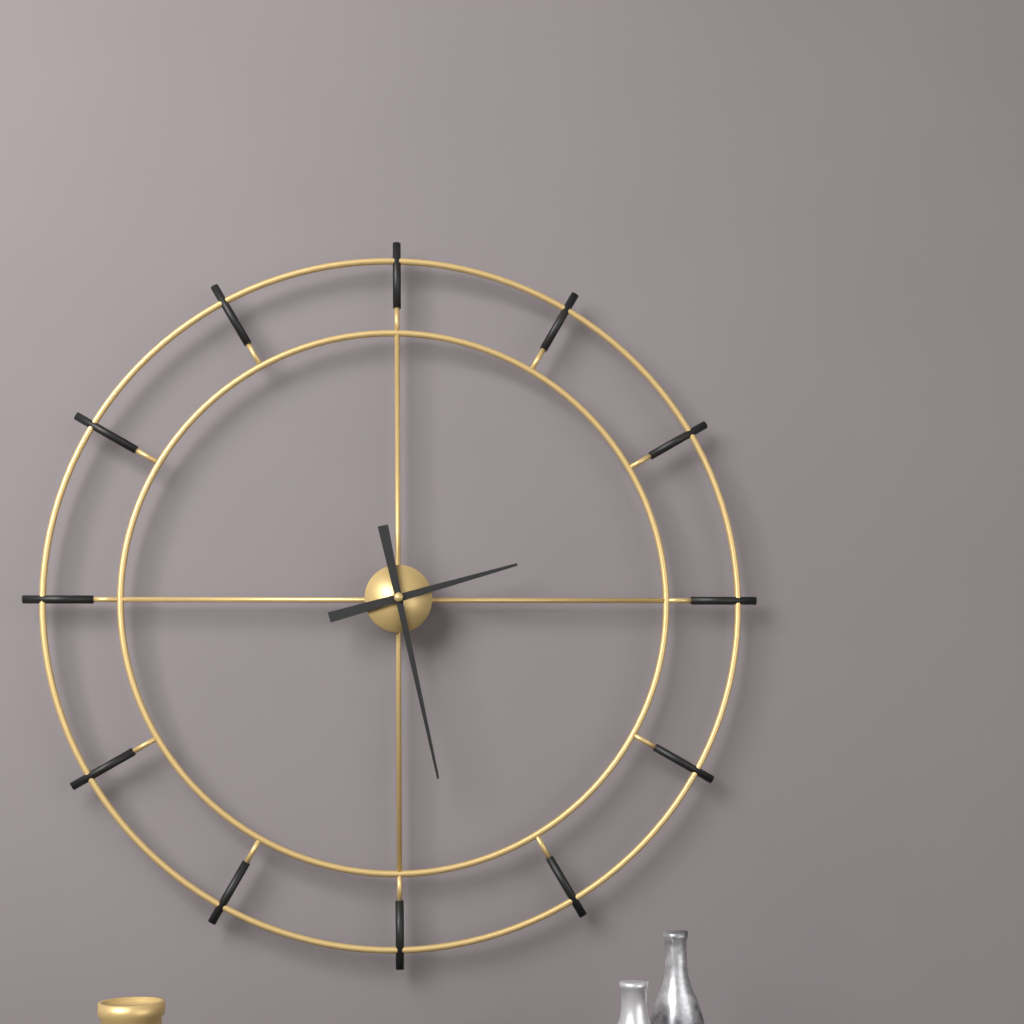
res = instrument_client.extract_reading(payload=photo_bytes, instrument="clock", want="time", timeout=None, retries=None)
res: 2:28
